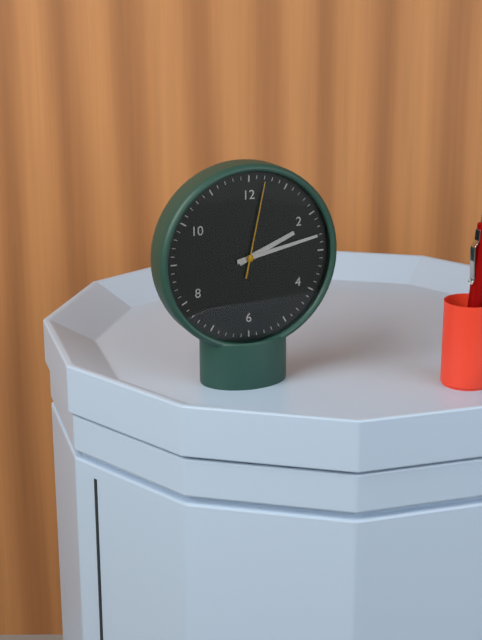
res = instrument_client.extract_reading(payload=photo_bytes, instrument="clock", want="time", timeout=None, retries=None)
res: 2:13:02
